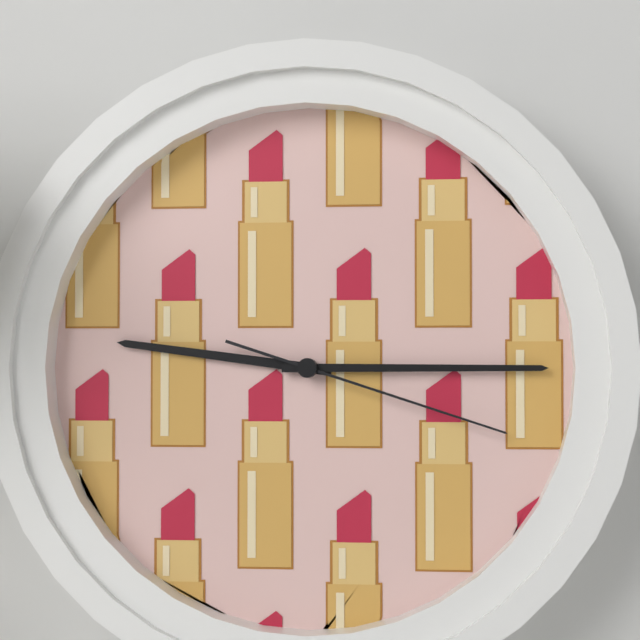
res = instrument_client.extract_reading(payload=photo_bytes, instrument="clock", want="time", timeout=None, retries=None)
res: 9:15:18
